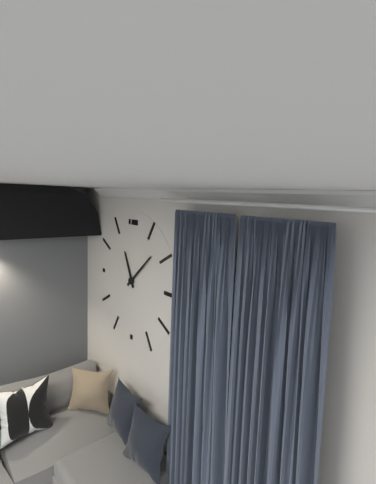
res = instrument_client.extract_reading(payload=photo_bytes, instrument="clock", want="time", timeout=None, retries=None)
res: 11:08
